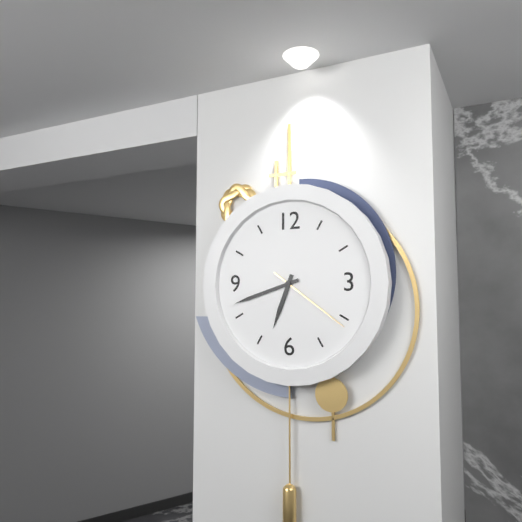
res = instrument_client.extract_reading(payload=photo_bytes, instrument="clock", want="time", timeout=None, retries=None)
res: 6:42:21
